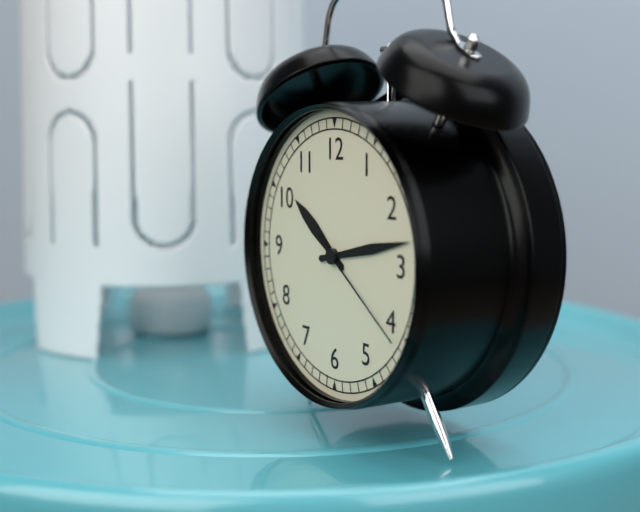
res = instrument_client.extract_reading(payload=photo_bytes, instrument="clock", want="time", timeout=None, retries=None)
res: 10:13:21
